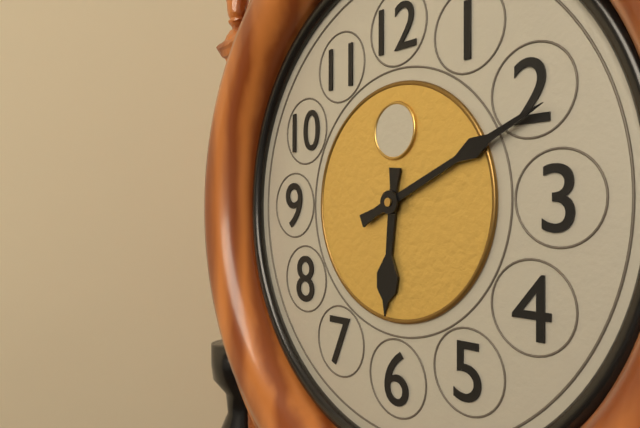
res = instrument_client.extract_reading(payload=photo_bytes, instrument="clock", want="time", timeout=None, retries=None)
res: 6:11
